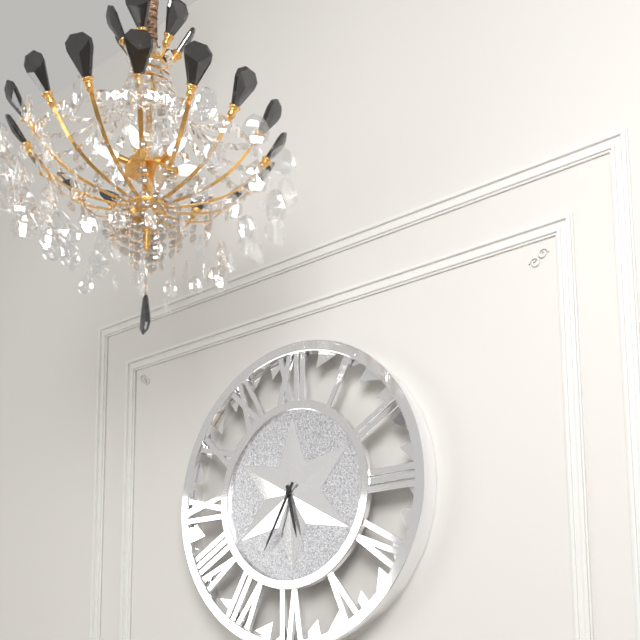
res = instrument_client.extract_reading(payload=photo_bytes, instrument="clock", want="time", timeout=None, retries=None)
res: 5:35
